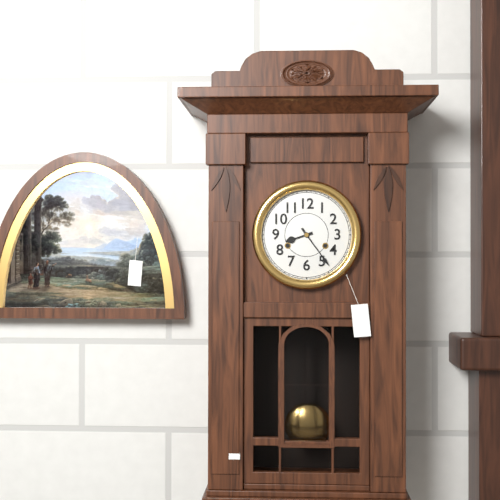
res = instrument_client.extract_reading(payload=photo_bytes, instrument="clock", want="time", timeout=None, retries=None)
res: 8:24
